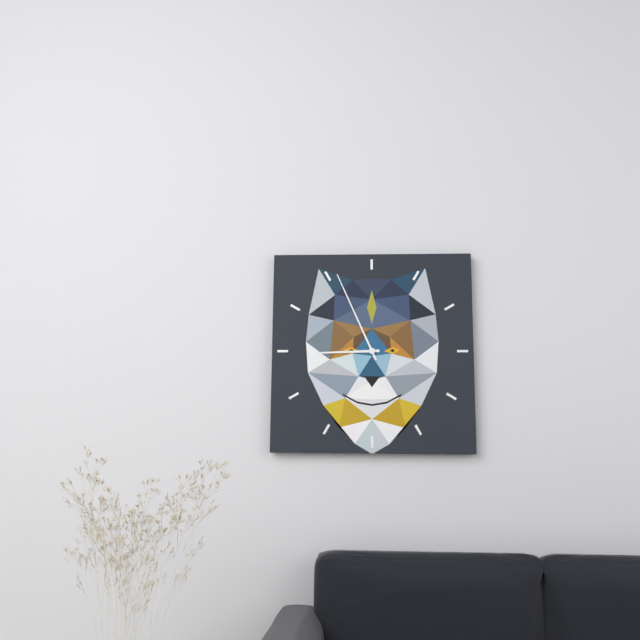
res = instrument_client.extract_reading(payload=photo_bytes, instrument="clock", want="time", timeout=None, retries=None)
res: 8:56
